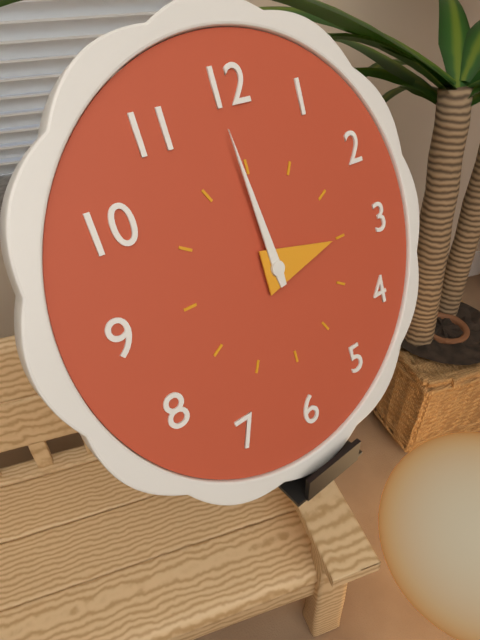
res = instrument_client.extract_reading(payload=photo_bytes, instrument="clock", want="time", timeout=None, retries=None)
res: 2:59
